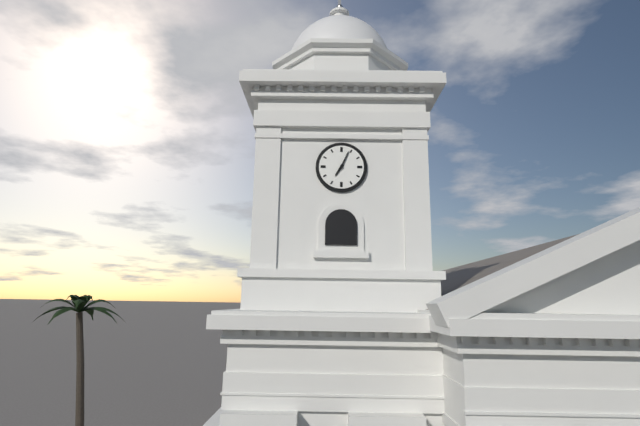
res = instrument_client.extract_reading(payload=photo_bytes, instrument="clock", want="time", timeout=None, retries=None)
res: 7:04
